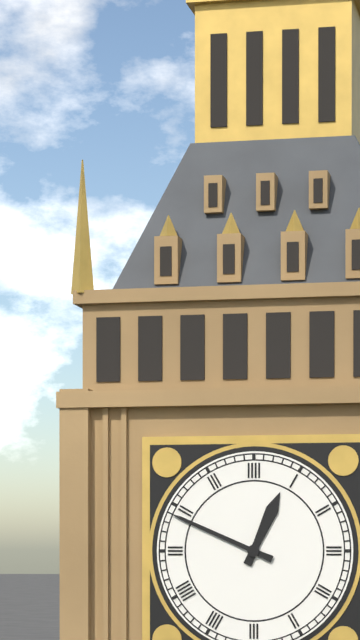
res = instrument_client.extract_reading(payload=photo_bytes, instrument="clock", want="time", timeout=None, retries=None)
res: 12:49
